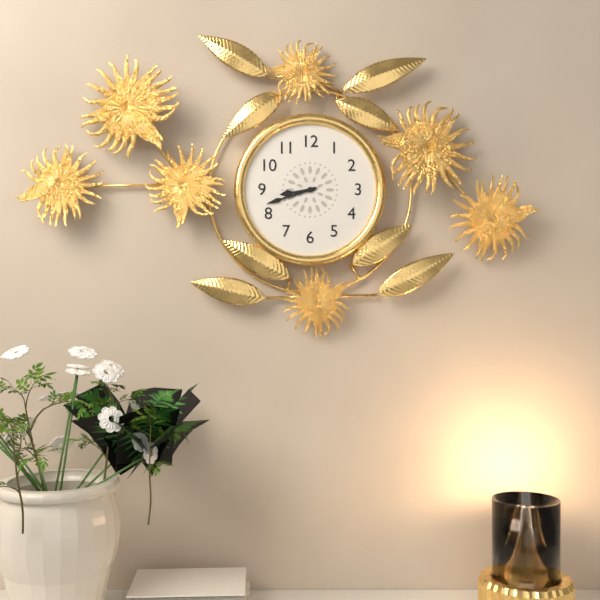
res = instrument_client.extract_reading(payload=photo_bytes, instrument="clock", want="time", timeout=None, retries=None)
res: 8:42
